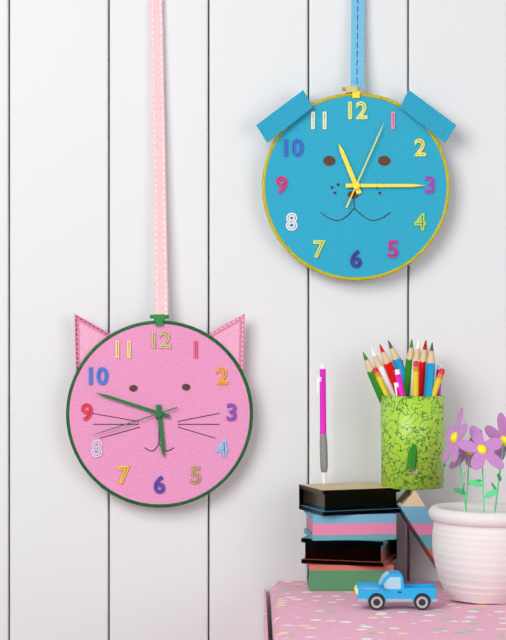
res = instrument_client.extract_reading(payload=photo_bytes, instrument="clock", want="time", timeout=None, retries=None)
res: 5:48:42
